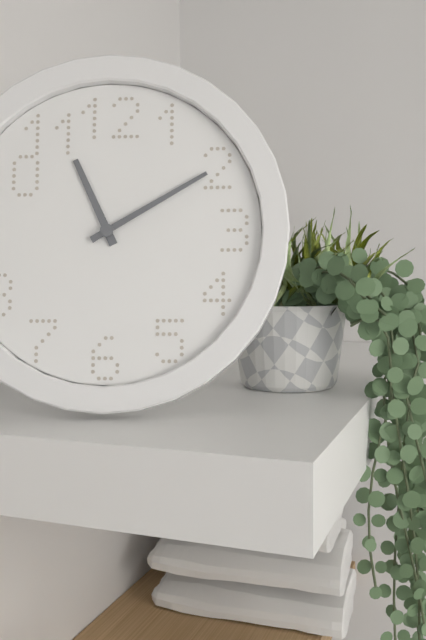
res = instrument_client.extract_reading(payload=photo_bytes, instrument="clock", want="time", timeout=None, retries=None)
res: 11:10
